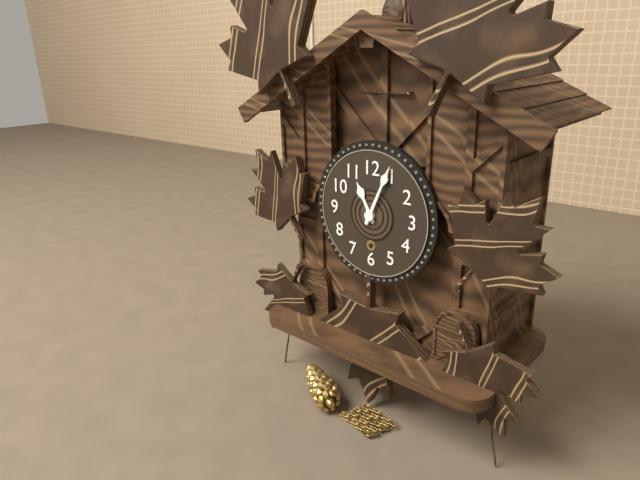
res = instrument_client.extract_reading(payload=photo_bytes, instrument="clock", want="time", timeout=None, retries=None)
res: 11:04
